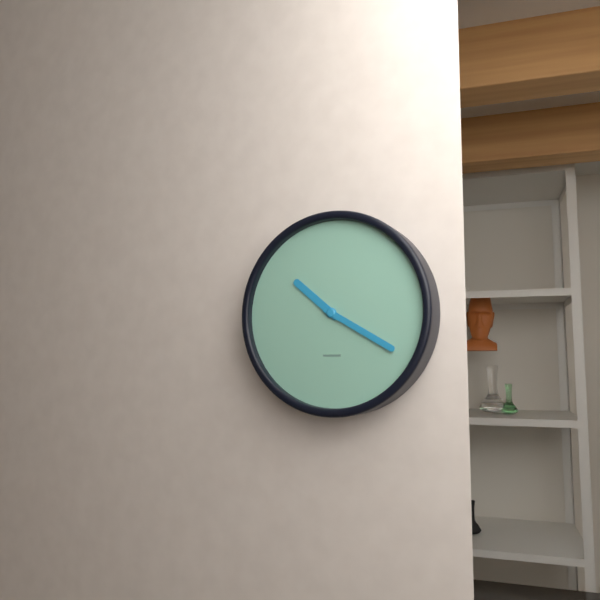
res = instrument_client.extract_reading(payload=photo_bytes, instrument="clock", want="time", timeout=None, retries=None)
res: 10:20
